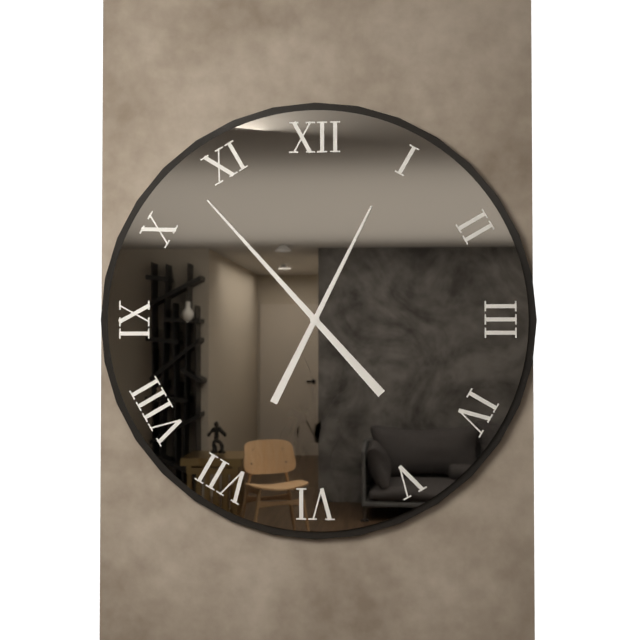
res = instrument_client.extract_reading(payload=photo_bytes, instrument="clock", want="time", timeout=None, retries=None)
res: 12:53
